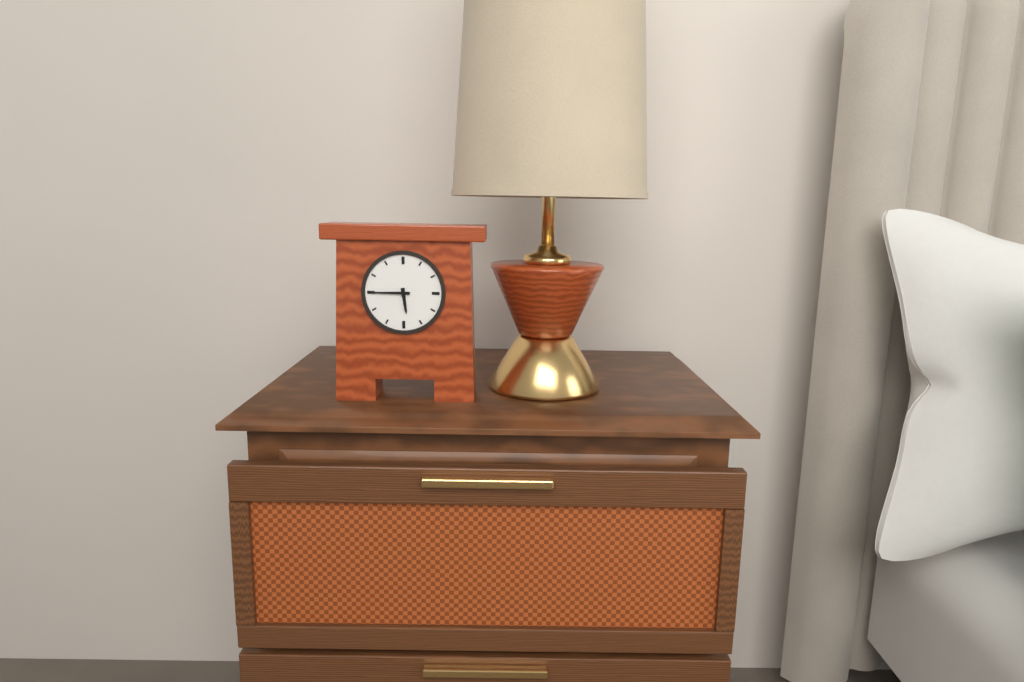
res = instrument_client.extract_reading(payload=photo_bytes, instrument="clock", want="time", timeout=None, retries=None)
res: 5:45
